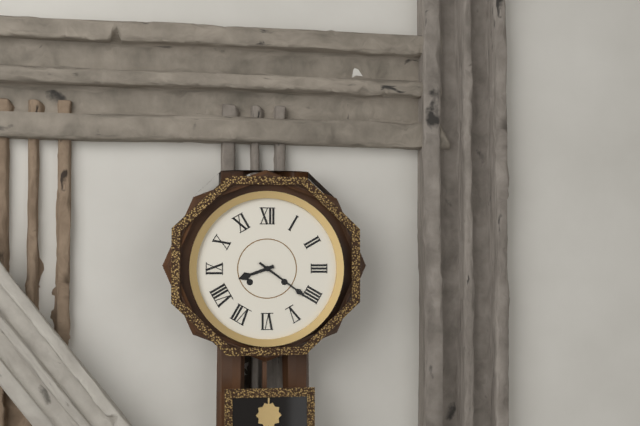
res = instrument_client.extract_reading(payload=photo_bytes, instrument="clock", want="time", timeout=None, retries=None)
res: 8:21
